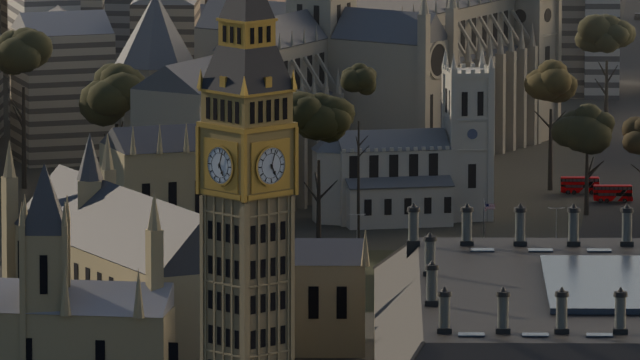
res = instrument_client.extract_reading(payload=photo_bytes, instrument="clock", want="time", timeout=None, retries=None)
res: 5:03
